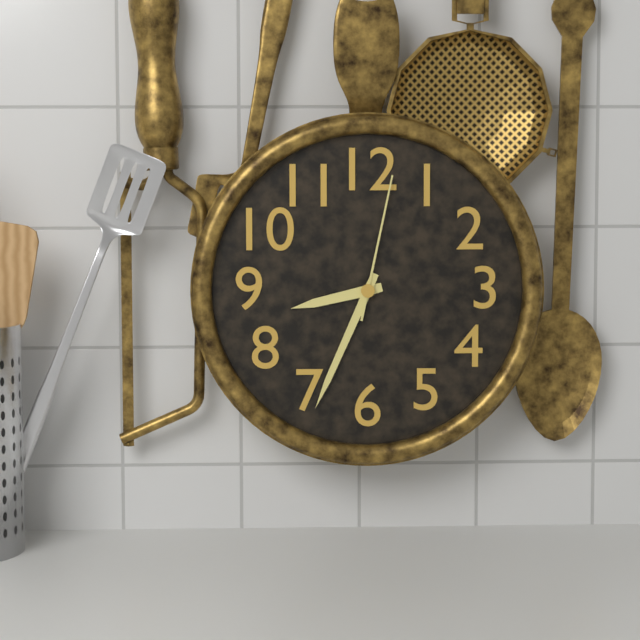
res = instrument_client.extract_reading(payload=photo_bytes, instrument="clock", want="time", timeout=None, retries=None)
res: 8:34:02
